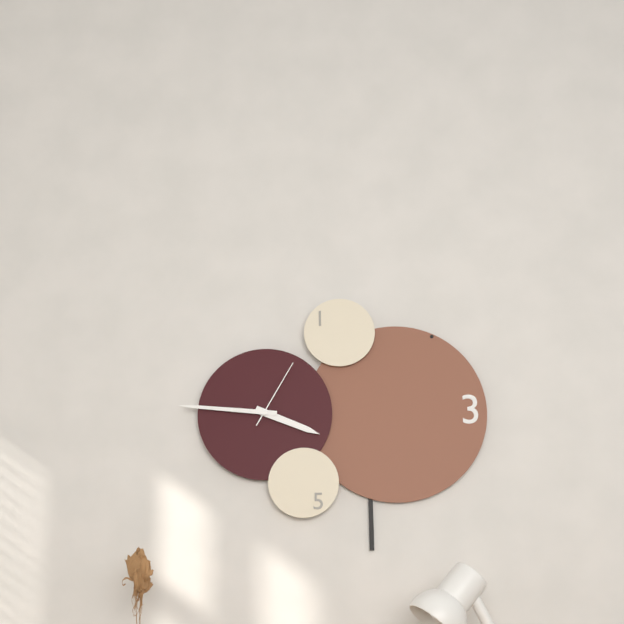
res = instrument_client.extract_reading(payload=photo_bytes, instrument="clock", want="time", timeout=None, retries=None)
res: 3:46:05
